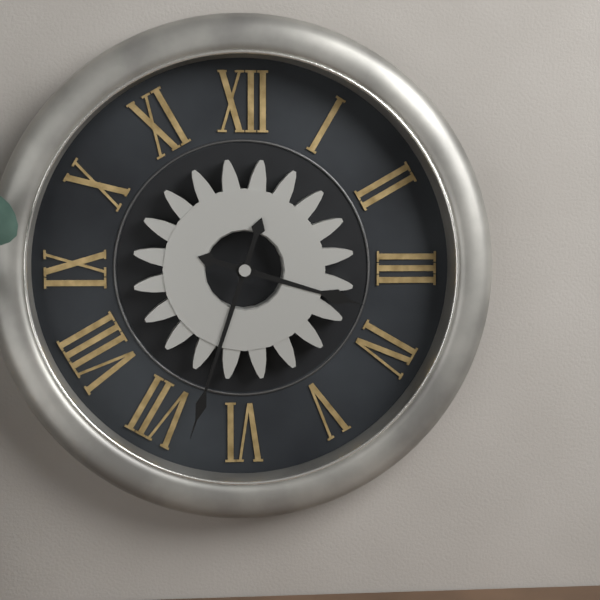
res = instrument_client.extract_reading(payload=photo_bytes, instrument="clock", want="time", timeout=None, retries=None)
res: 3:33
